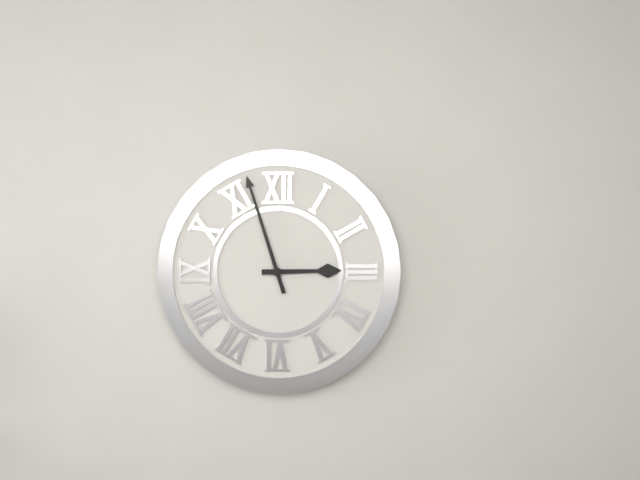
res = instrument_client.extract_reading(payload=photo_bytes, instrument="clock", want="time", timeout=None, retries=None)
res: 2:57
